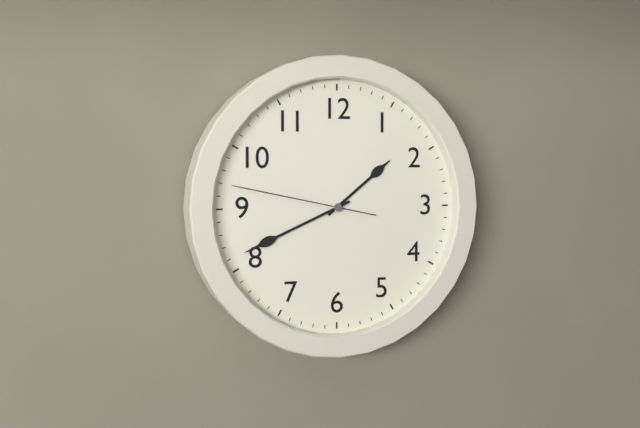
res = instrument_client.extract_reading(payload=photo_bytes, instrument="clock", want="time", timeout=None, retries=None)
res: 1:41:47
